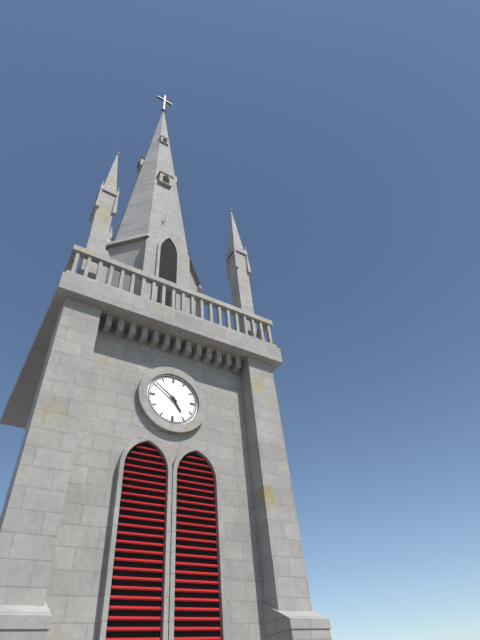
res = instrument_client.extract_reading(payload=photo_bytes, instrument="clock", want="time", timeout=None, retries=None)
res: 4:51
